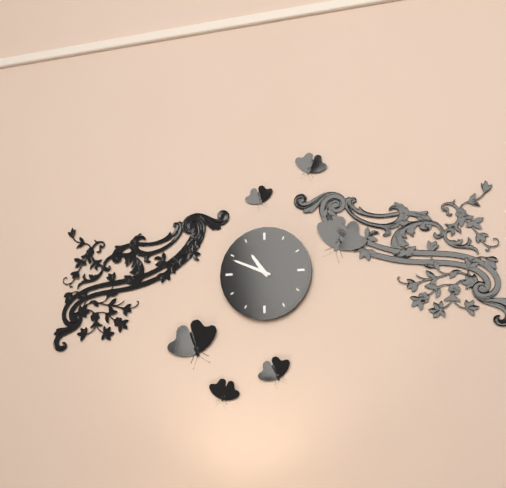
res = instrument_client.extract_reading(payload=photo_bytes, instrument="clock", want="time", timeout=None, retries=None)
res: 10:49
